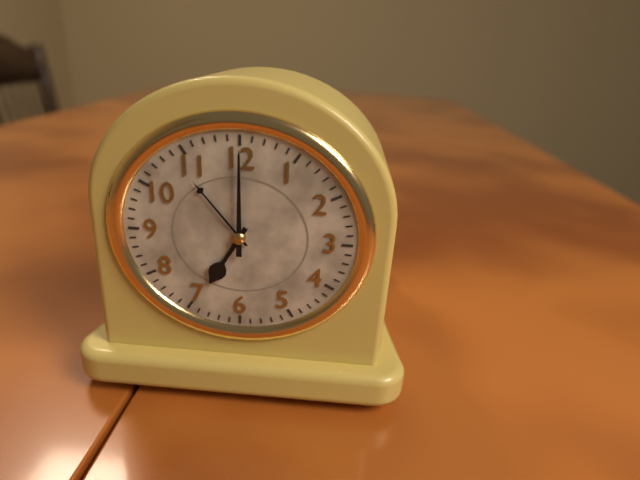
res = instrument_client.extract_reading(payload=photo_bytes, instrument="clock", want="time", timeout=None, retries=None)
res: 7:00
